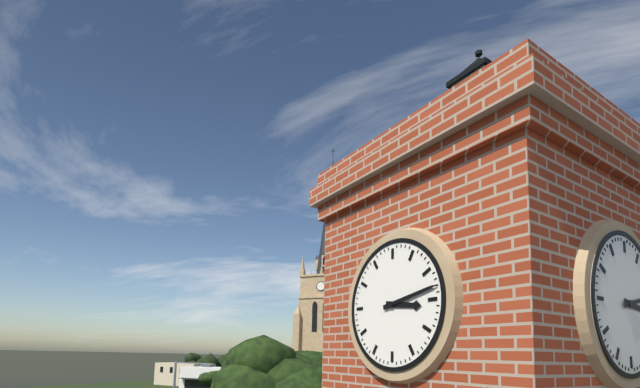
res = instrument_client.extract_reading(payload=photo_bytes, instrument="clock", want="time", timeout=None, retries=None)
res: 3:13
